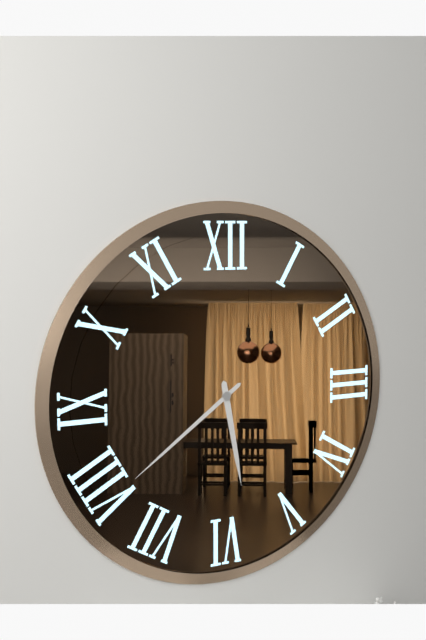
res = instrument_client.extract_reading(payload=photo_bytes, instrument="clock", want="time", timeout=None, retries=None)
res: 5:39
